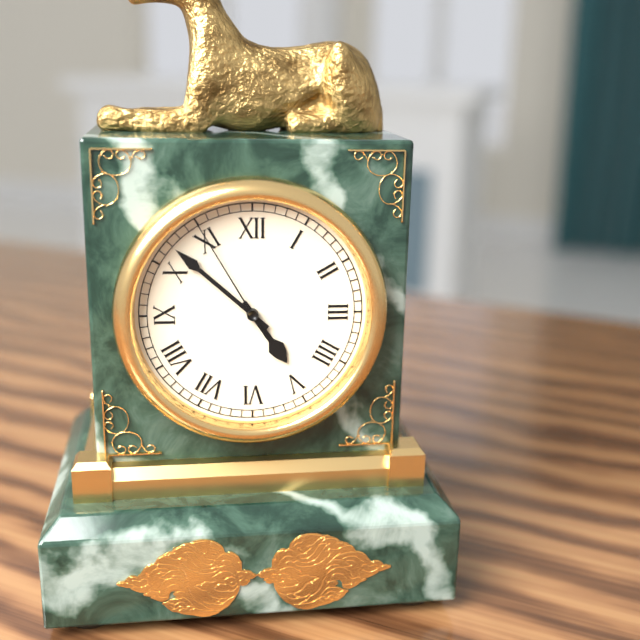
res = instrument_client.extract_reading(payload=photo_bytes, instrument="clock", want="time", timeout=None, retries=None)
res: 4:52:55
